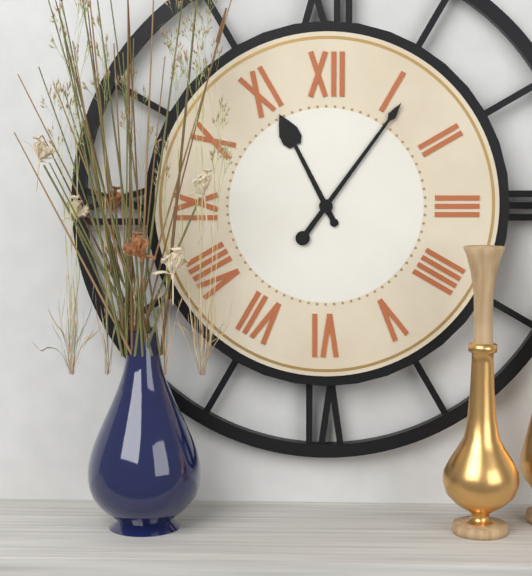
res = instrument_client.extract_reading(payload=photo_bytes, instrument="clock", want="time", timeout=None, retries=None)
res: 11:06
